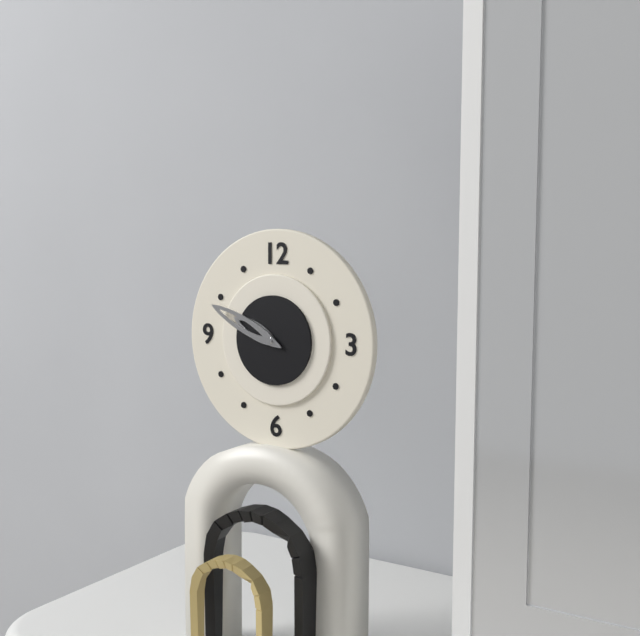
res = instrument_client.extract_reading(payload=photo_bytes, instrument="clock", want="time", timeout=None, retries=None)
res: 9:49
